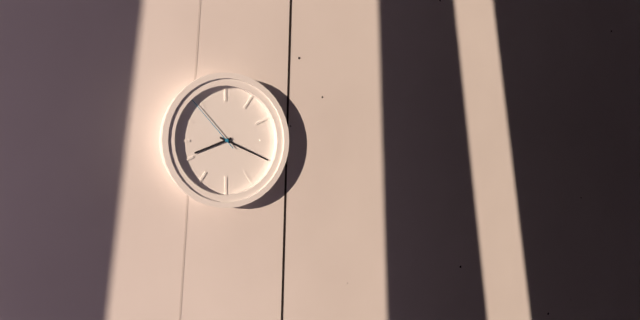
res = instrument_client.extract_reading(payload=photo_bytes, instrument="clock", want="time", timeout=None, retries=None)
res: 8:19:53
